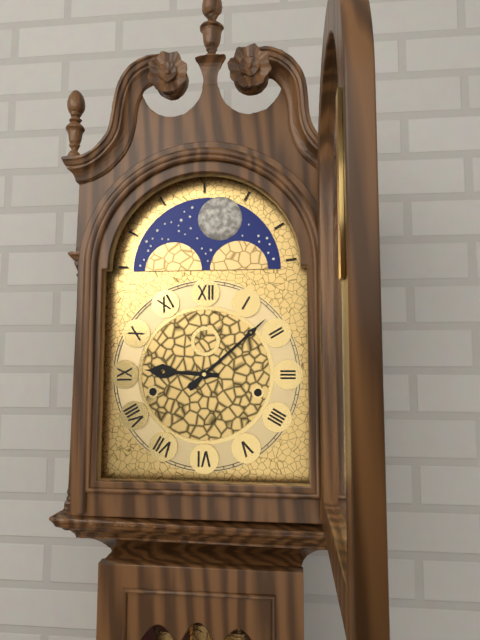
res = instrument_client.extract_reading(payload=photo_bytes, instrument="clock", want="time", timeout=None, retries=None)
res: 9:08
